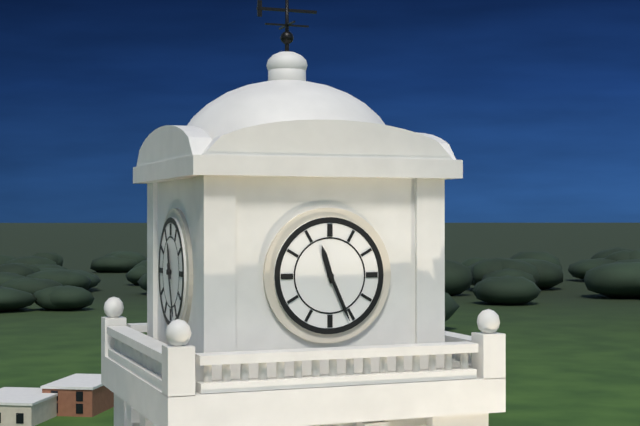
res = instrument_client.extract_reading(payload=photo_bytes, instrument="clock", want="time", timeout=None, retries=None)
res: 11:26
